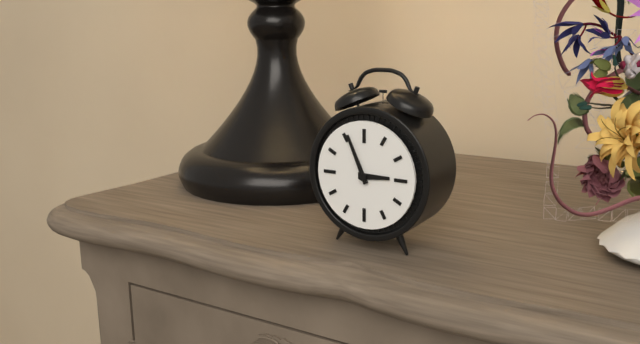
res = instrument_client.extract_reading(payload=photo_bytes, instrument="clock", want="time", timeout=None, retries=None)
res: 2:56
